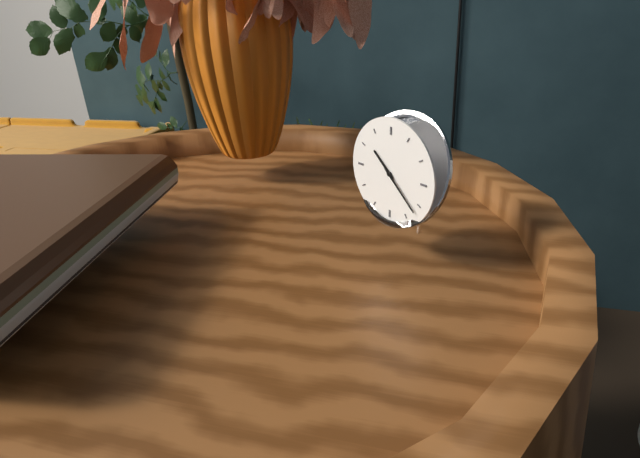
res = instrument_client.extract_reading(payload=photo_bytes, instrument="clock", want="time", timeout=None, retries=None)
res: 10:22
